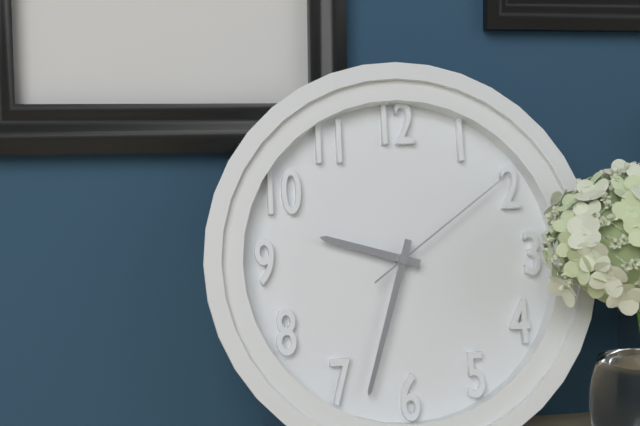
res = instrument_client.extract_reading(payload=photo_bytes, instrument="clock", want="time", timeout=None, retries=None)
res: 9:33:09
